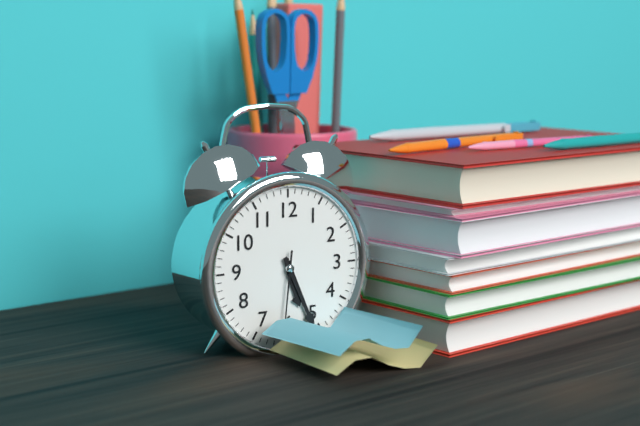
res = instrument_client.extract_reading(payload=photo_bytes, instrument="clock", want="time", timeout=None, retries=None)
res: 5:26:31
